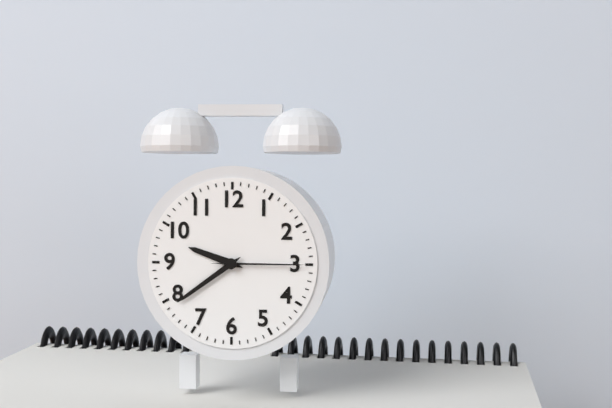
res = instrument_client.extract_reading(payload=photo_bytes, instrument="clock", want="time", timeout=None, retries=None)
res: 9:39:15
